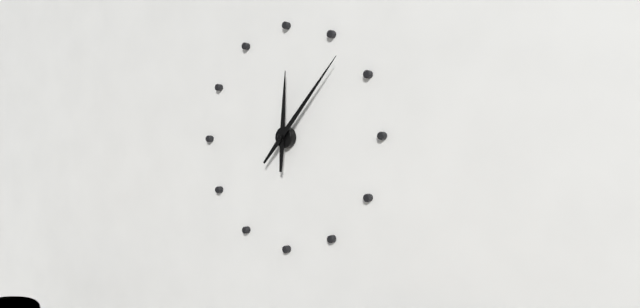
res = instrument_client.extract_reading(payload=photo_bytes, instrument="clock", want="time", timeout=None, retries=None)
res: 12:07
